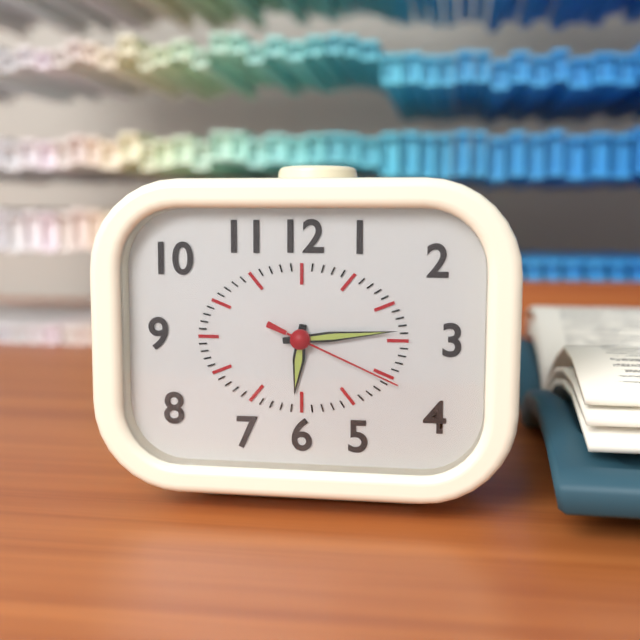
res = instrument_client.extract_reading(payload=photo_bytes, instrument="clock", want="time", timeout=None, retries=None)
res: 6:14:19
